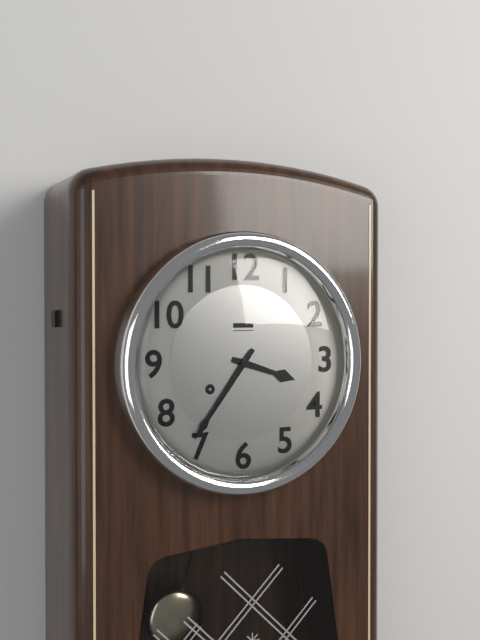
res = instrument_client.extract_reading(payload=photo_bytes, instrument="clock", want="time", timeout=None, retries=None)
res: 3:36
